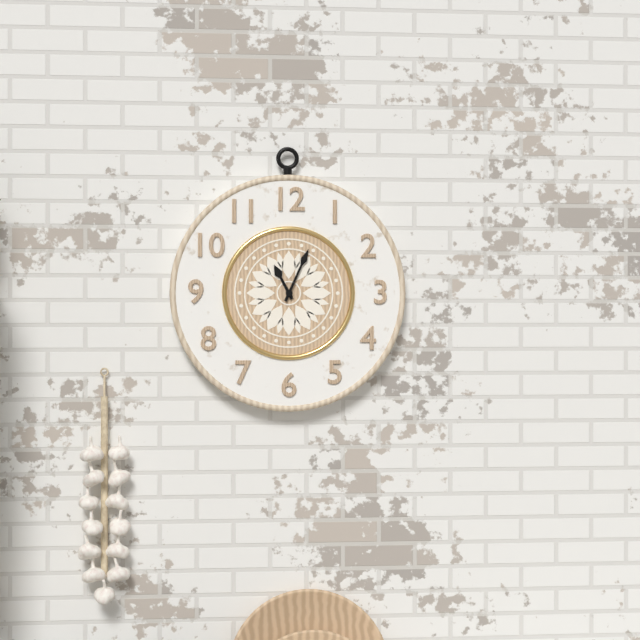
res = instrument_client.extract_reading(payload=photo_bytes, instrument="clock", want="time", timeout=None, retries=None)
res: 11:04
